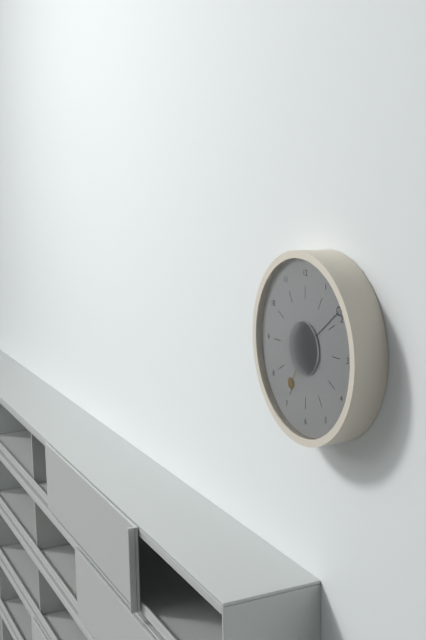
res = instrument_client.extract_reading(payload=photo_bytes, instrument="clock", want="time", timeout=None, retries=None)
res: 7:09
